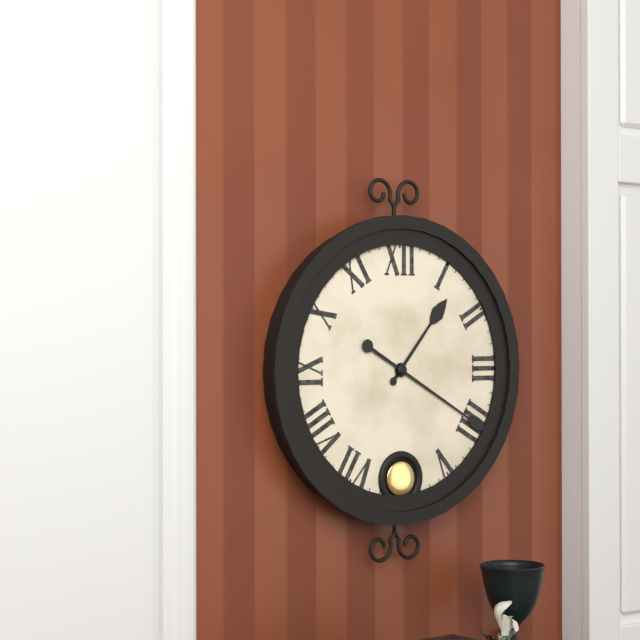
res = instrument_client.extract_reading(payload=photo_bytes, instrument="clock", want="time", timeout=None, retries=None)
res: 1:20
